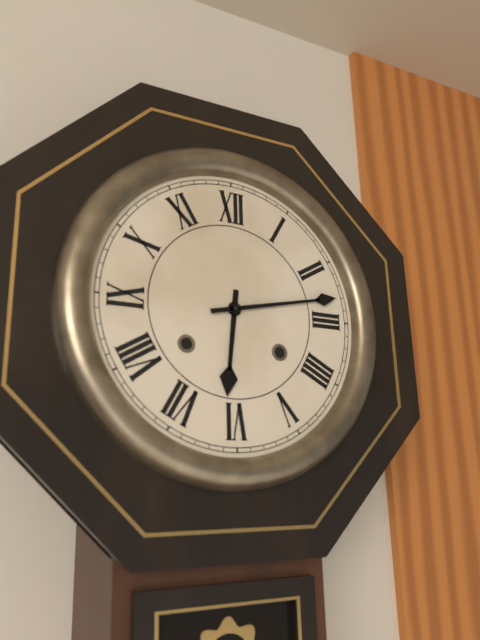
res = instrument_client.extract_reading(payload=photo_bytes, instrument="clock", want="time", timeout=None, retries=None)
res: 6:13
